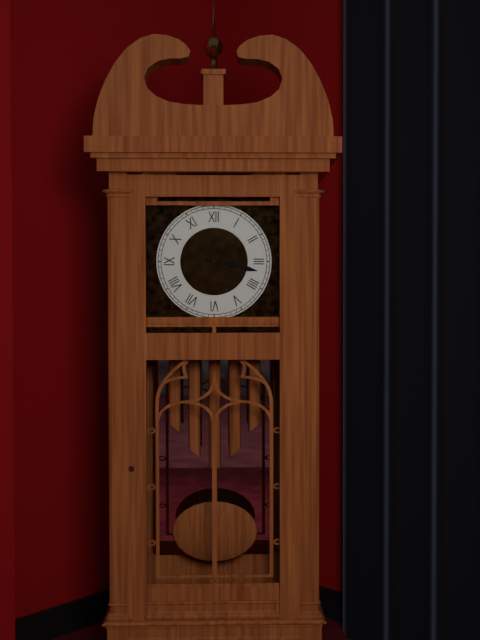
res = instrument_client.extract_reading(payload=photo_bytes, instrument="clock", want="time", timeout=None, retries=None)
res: 3:17
